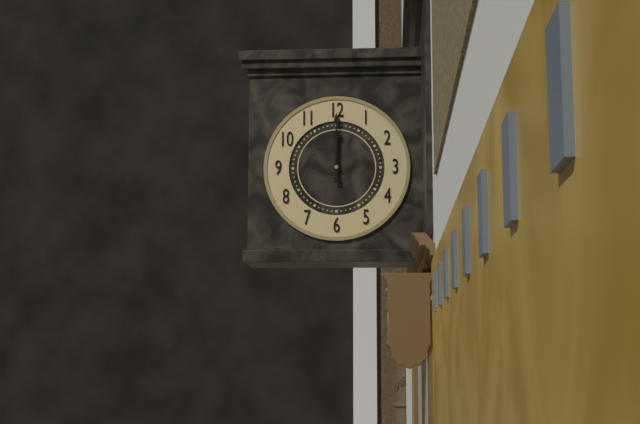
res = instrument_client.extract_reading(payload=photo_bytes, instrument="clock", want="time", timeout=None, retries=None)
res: 12:00
